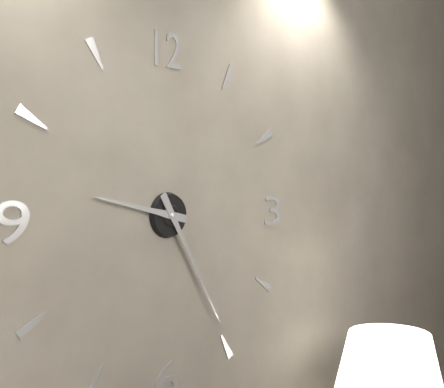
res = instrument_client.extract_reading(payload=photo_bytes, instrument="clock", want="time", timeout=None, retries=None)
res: 9:25
